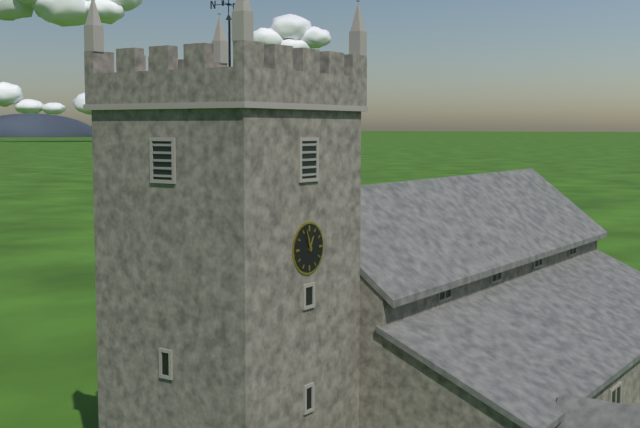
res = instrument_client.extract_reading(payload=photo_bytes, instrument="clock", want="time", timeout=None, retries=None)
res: 12:57
